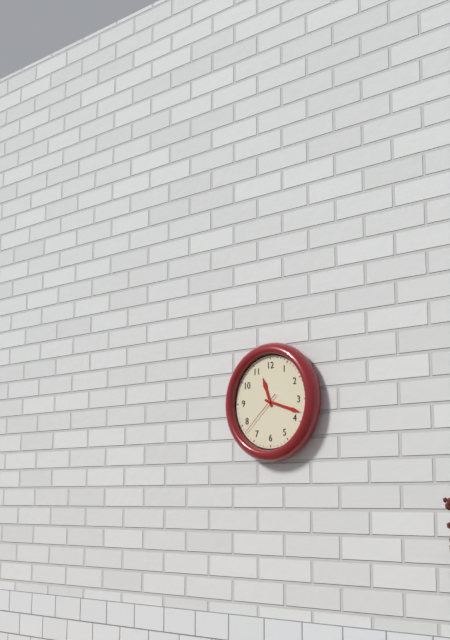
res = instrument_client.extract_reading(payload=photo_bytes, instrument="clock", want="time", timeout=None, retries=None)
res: 11:18
